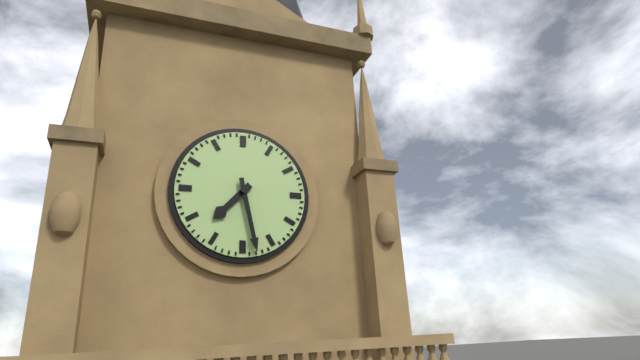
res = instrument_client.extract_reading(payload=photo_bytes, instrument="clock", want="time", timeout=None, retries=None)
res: 7:28
